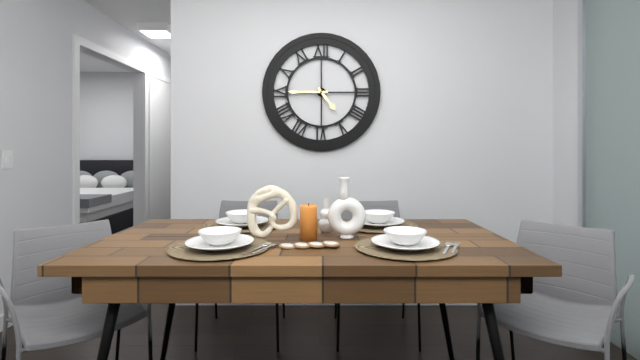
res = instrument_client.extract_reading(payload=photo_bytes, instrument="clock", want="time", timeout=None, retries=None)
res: 4:45
